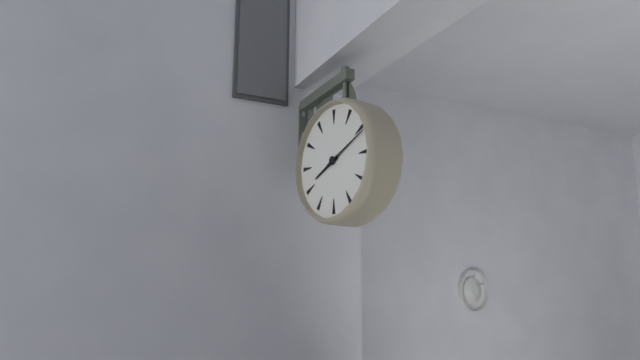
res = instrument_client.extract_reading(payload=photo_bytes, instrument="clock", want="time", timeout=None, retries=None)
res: 8:11
